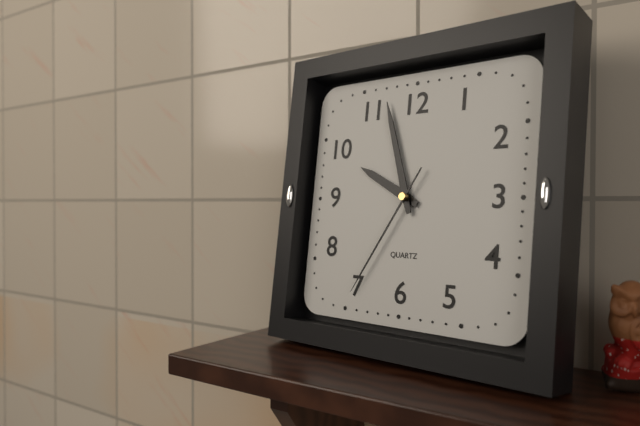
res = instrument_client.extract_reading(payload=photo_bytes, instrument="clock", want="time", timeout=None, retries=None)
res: 9:57:35
